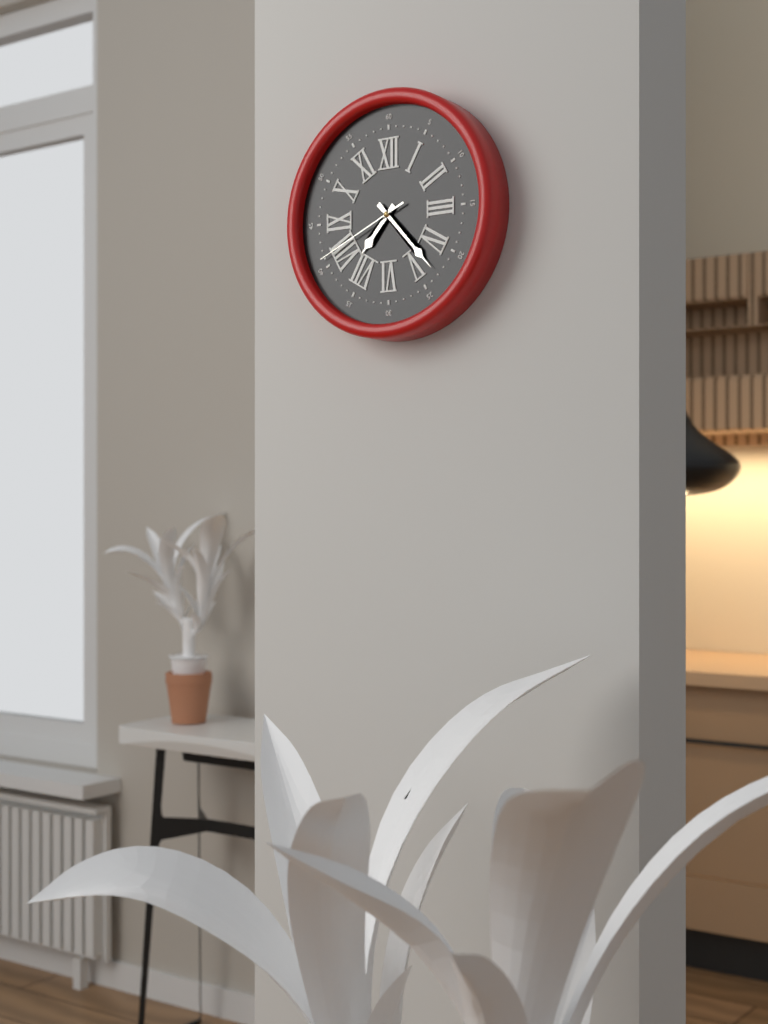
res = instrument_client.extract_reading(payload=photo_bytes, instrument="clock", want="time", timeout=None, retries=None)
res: 7:23:41
